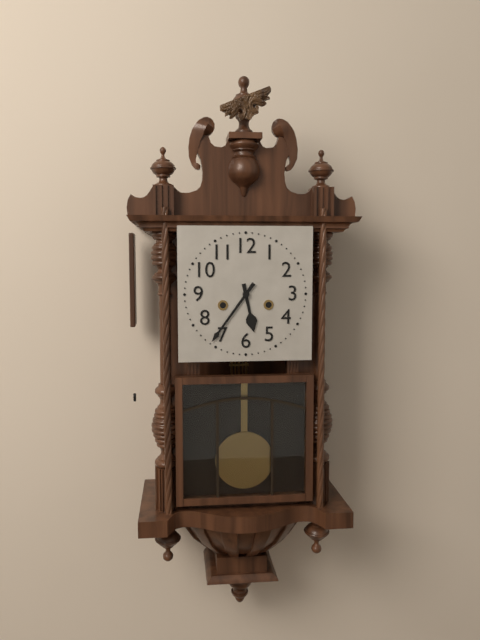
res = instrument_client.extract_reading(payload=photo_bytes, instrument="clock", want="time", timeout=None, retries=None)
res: 5:36
